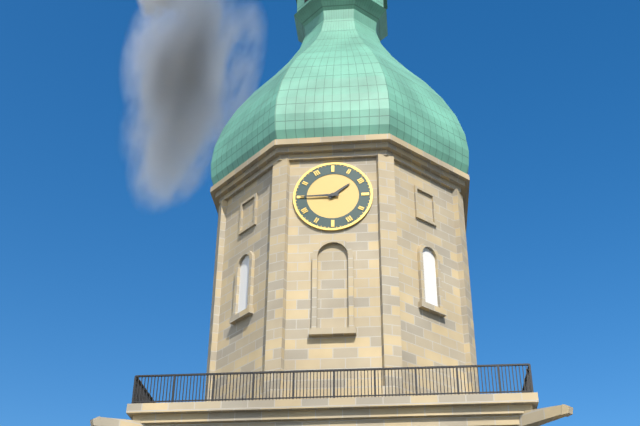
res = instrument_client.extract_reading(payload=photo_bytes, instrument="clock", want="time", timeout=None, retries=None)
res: 1:45
